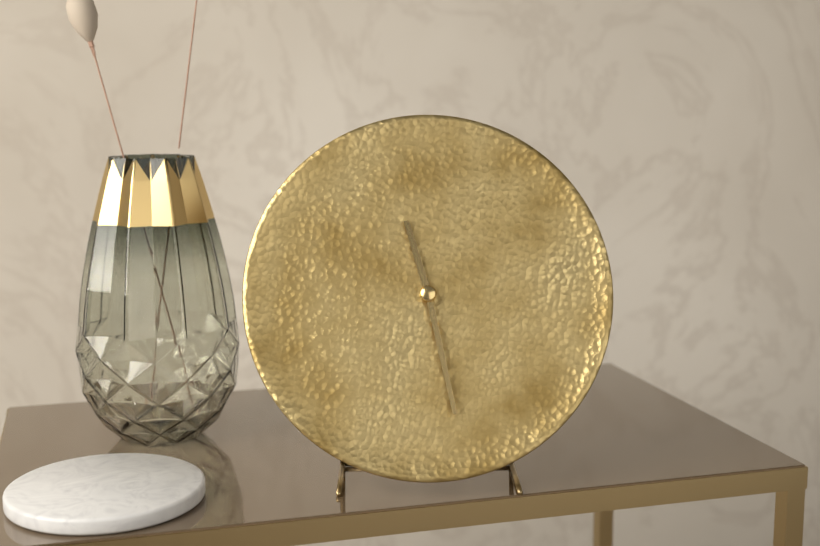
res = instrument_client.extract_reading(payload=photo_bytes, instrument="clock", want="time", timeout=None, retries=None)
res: 11:28
